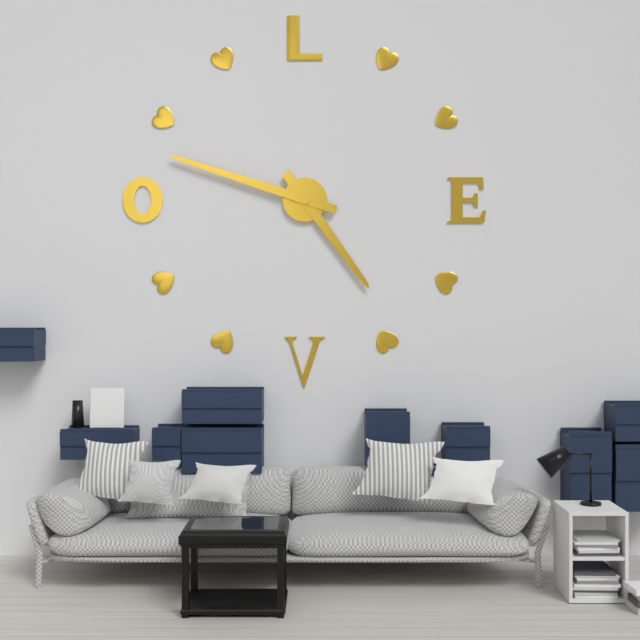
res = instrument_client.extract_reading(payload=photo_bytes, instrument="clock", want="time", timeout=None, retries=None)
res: 4:48
